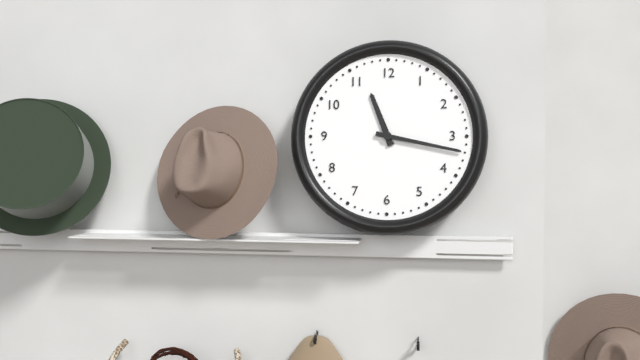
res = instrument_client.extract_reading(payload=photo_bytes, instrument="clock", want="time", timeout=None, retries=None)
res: 11:17
